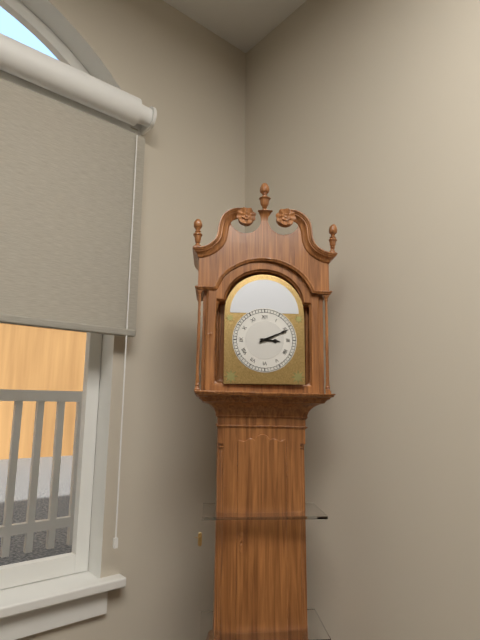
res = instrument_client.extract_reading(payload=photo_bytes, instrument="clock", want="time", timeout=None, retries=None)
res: 3:11
